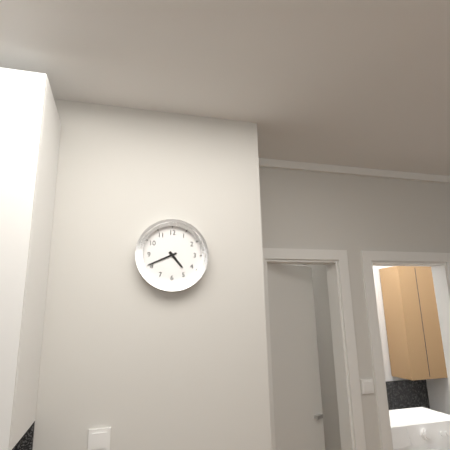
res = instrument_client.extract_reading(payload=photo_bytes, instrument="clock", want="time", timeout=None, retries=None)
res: 4:41
